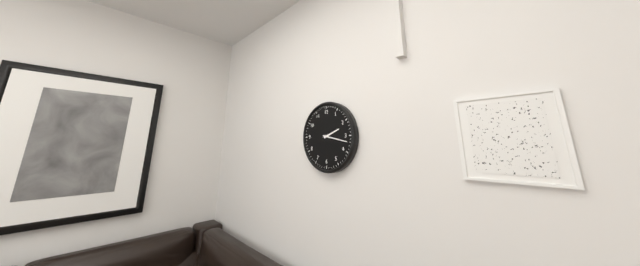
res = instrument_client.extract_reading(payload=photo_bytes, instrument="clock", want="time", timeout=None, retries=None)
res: 2:17
